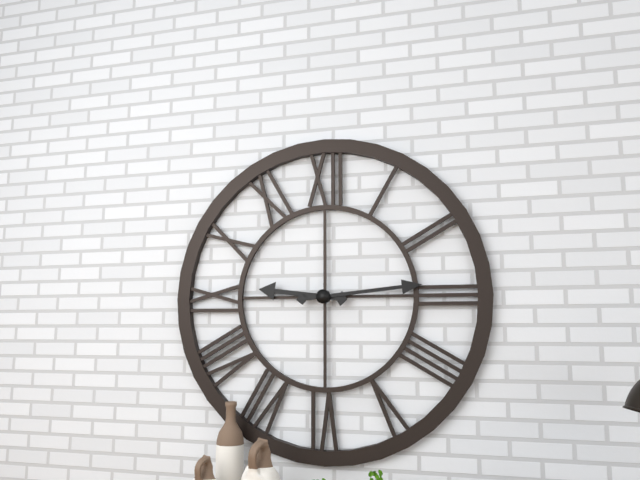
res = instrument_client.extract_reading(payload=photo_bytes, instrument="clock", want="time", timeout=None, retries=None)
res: 9:14
